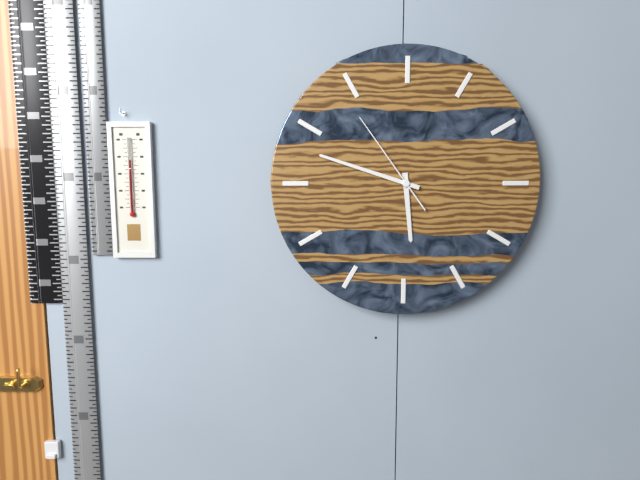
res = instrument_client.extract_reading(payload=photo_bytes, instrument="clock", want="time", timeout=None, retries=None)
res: 5:48:54
